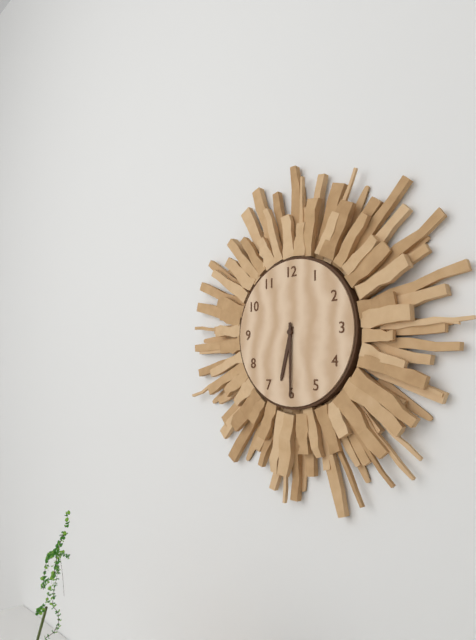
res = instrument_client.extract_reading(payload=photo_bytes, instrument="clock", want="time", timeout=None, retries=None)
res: 6:30
